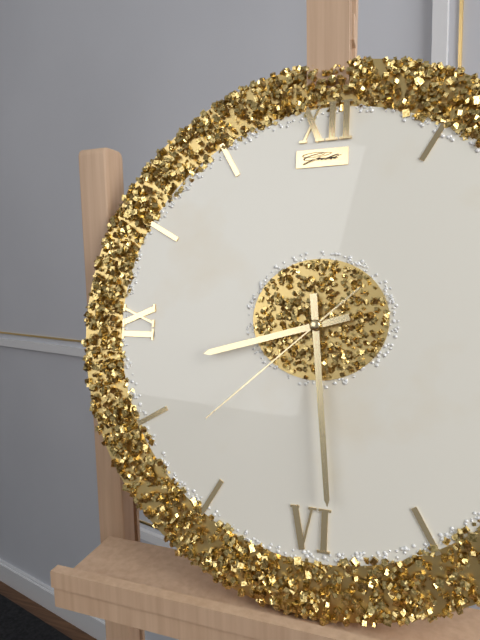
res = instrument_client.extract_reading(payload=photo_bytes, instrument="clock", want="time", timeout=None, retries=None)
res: 8:29:38
